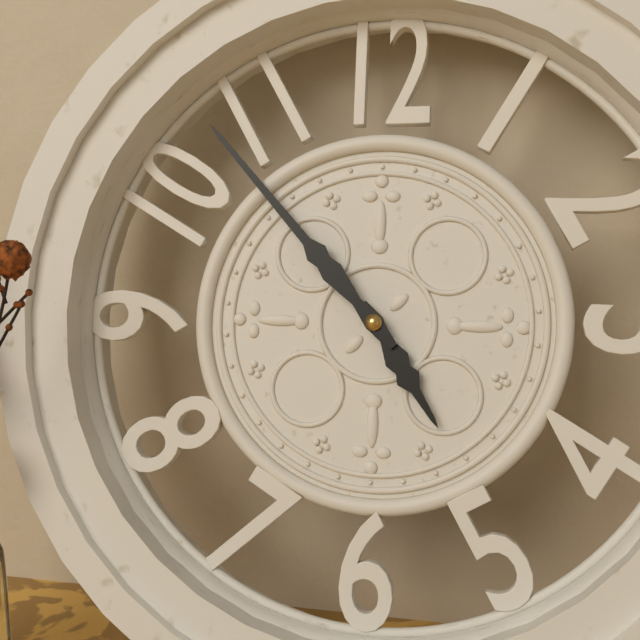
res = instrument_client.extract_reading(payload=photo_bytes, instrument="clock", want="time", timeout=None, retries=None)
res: 4:53
